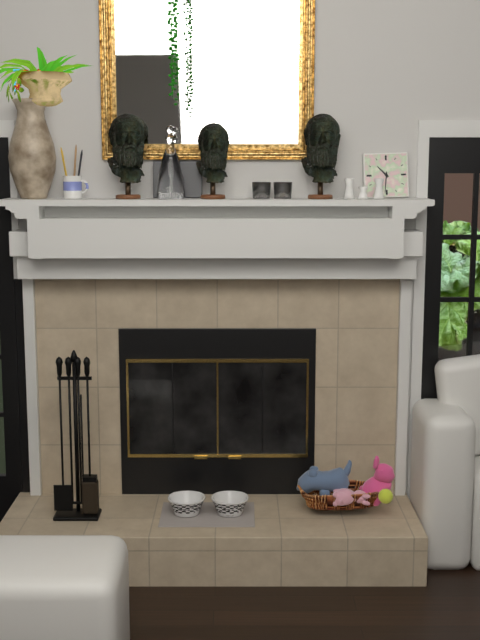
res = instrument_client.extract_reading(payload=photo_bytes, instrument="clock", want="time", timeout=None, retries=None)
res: 10:31
